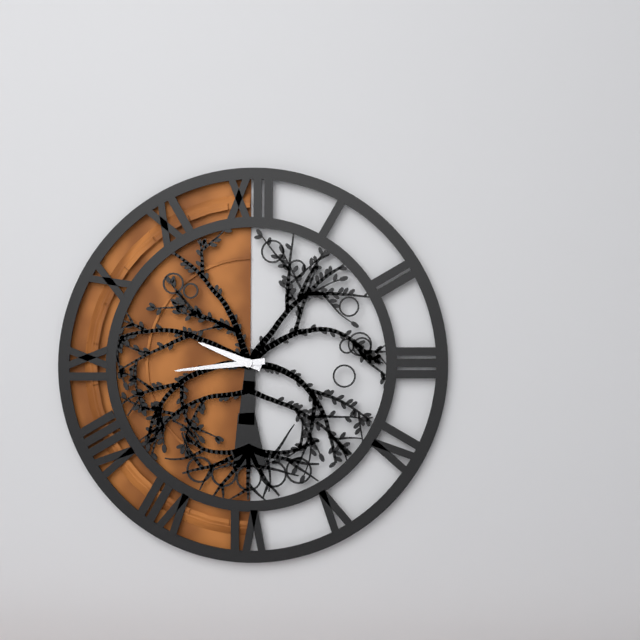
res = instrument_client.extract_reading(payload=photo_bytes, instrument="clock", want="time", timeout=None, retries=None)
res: 9:44
